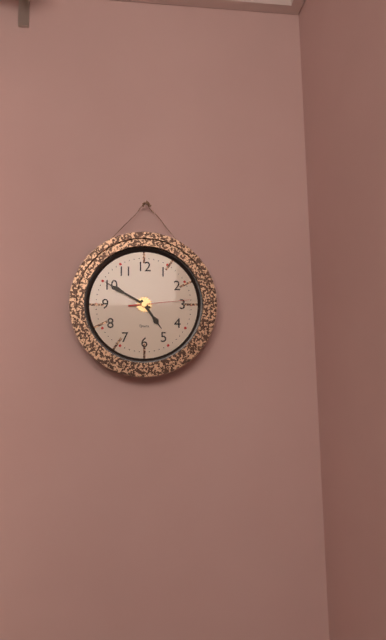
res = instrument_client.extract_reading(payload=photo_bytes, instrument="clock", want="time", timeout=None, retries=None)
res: 4:50:14
